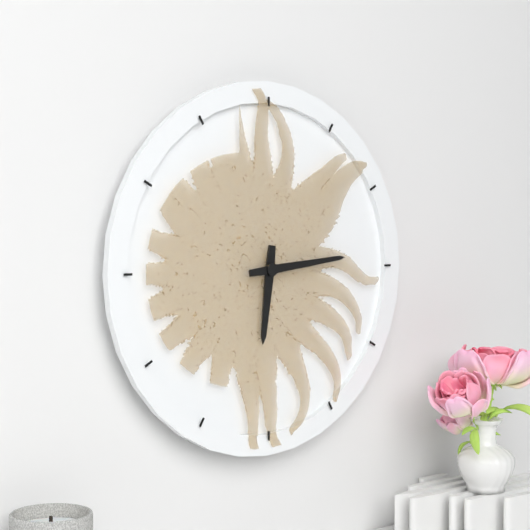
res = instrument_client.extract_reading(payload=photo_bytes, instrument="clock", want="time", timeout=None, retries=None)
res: 6:14
